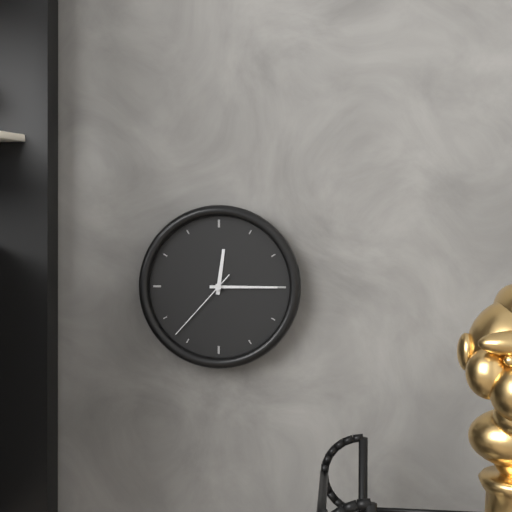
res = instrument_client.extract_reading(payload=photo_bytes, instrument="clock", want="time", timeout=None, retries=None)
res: 12:15:37
